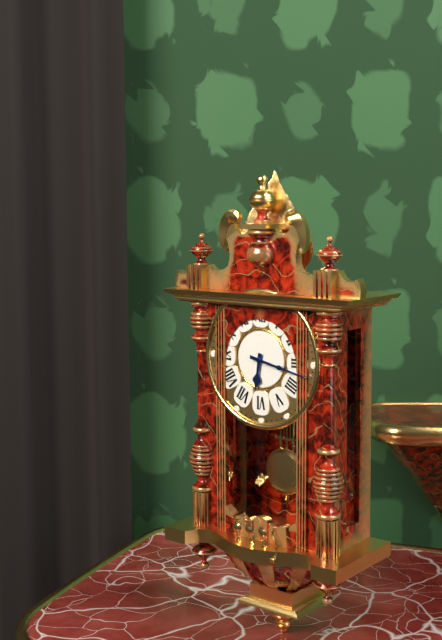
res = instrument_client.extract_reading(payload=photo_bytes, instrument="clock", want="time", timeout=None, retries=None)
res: 6:17
